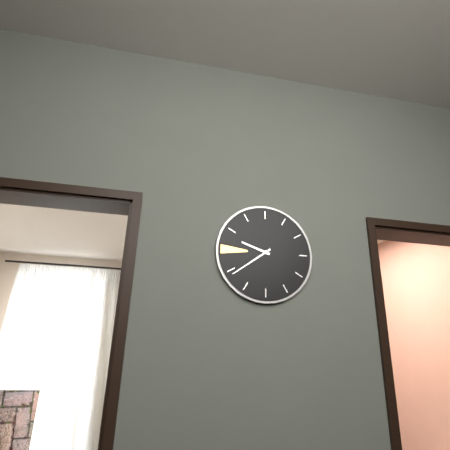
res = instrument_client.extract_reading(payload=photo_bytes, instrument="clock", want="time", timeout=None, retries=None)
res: 9:39
